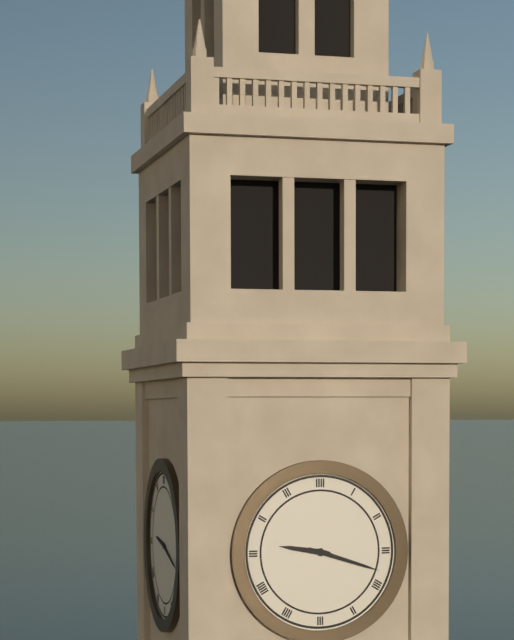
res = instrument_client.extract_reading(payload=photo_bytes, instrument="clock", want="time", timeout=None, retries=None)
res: 9:18
